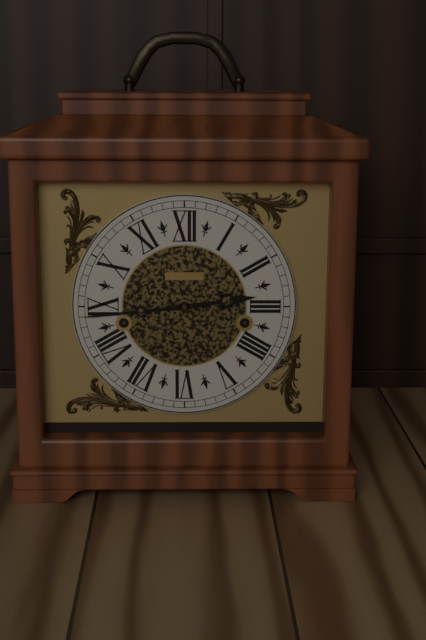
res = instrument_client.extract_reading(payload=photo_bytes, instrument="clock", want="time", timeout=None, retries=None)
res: 2:44
